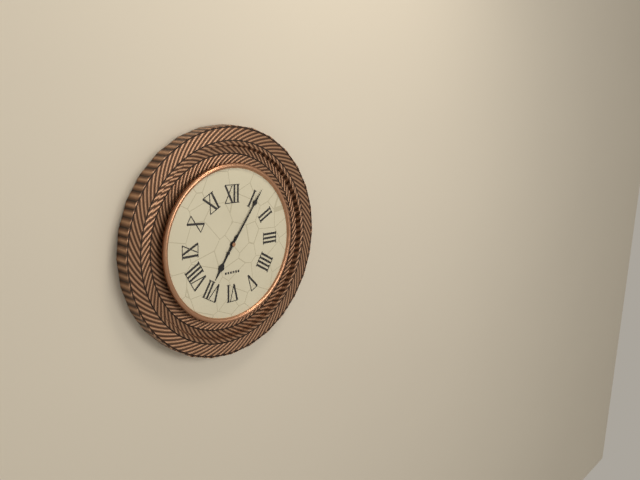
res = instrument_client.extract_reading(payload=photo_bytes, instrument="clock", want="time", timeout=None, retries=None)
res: 7:06
